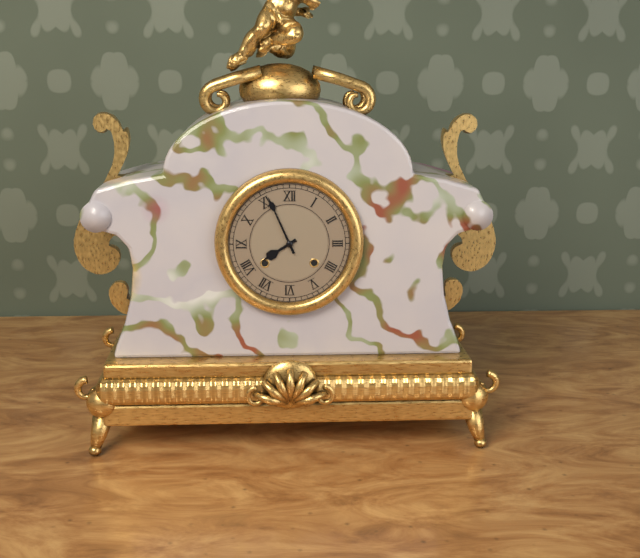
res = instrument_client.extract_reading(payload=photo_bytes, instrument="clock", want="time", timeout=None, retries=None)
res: 7:56
